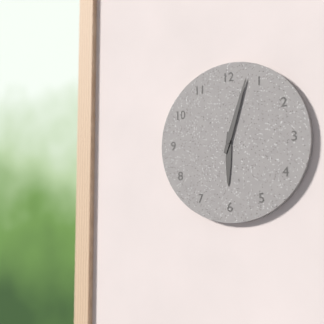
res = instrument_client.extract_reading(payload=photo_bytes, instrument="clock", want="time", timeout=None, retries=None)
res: 6:03
